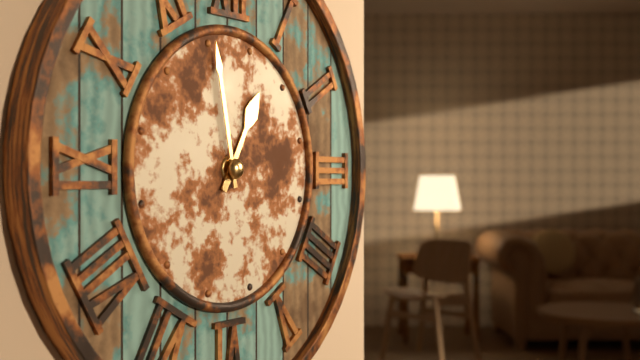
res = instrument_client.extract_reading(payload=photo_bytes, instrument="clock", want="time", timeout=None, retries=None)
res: 12:58
